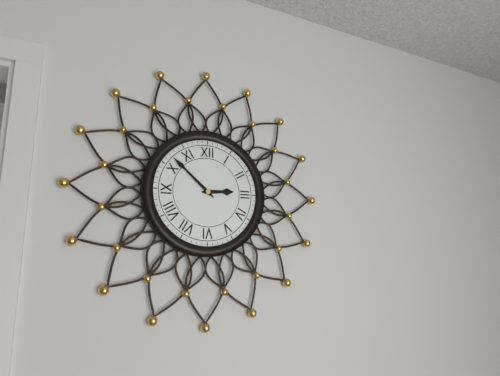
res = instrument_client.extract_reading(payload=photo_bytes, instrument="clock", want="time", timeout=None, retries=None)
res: 2:52
